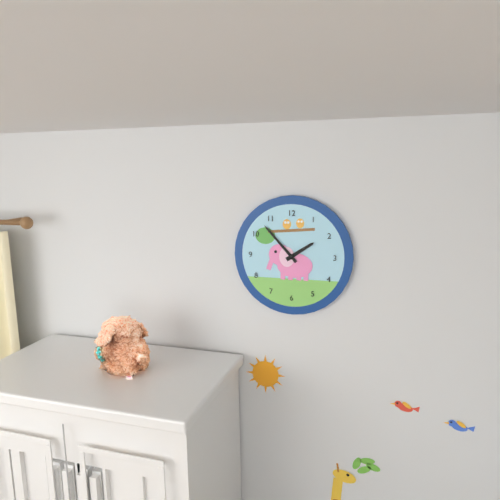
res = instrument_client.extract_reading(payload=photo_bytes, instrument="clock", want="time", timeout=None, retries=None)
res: 1:53
